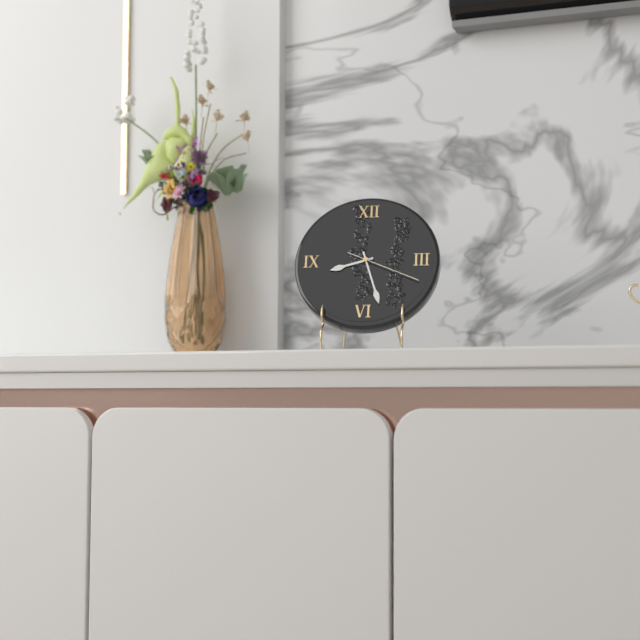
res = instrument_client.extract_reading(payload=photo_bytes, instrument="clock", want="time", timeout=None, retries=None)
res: 8:27:19
